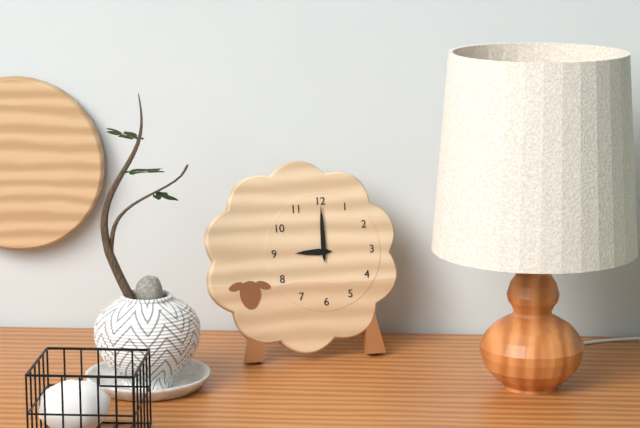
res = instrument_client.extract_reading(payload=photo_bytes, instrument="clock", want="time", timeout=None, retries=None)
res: 9:00
